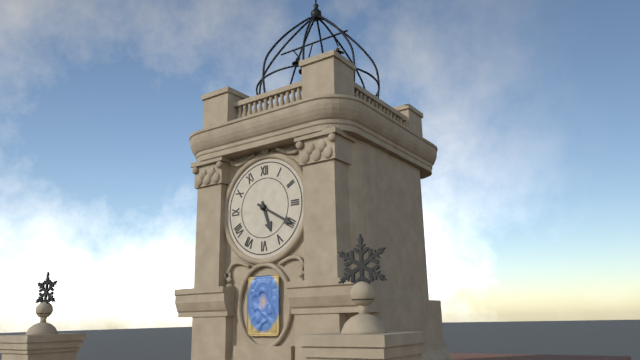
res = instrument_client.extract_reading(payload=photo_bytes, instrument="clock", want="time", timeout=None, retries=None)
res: 5:20
